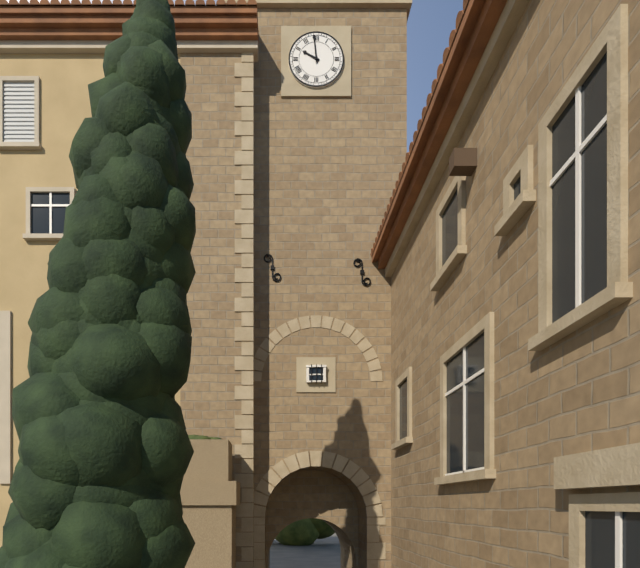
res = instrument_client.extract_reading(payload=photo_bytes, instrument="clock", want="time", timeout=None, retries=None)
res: 9:59
